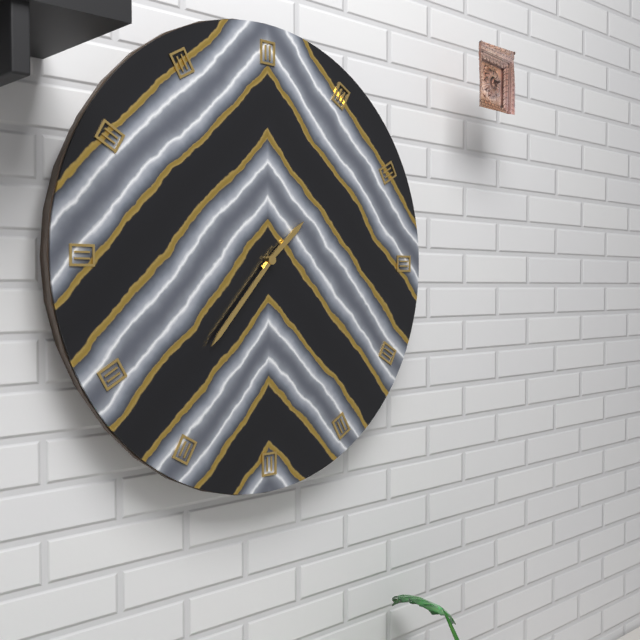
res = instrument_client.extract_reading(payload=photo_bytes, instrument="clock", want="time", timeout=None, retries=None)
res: 1:37
